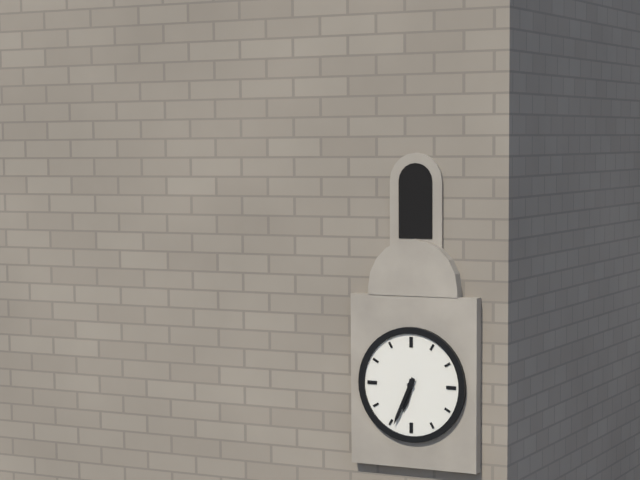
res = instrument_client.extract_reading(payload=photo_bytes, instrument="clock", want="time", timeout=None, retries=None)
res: 6:34
